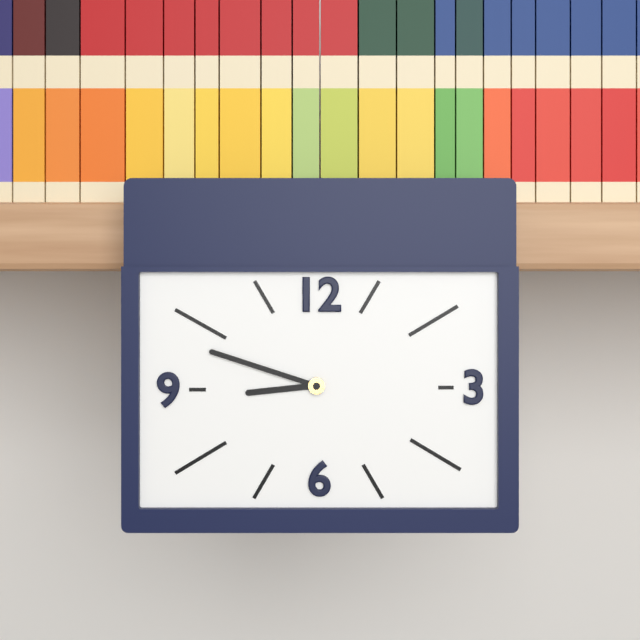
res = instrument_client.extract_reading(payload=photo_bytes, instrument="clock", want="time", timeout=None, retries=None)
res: 8:48
